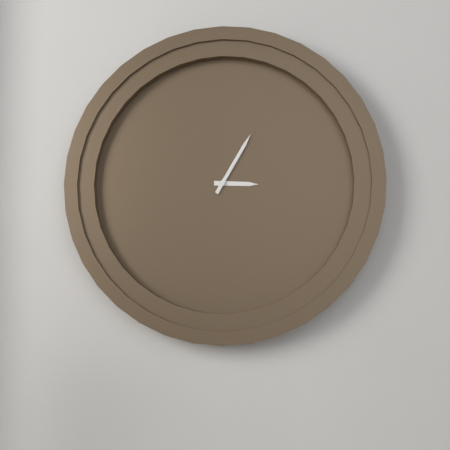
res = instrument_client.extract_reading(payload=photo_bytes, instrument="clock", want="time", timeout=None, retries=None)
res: 3:05
